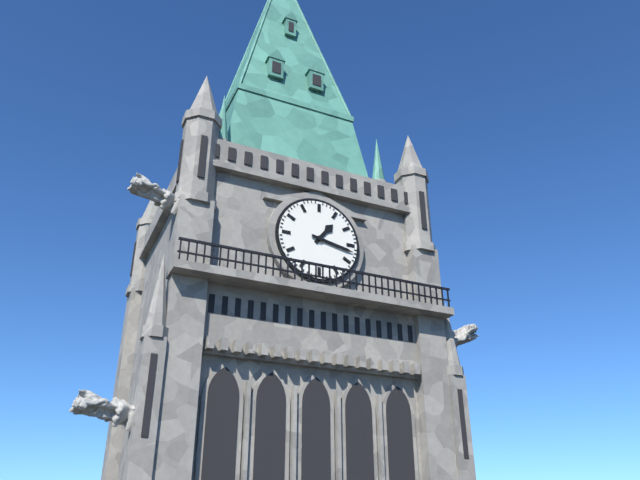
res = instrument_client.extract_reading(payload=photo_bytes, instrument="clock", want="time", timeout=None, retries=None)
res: 1:17
